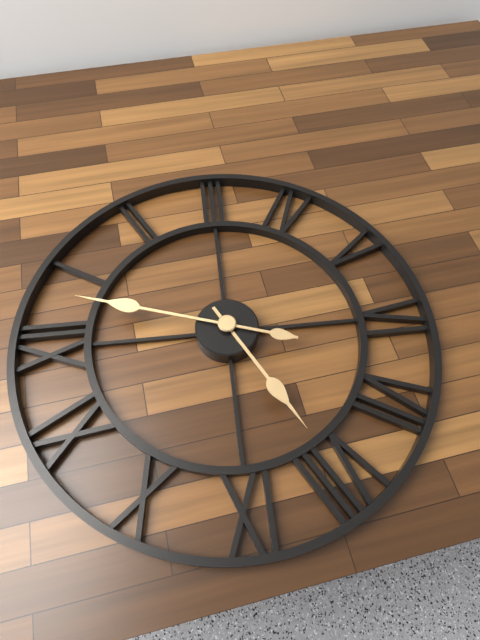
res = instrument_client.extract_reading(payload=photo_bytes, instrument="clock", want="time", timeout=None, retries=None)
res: 8:03
